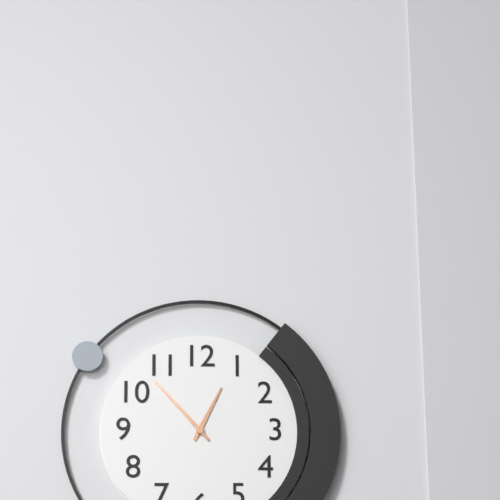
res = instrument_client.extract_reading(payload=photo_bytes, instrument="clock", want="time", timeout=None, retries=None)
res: 12:53
